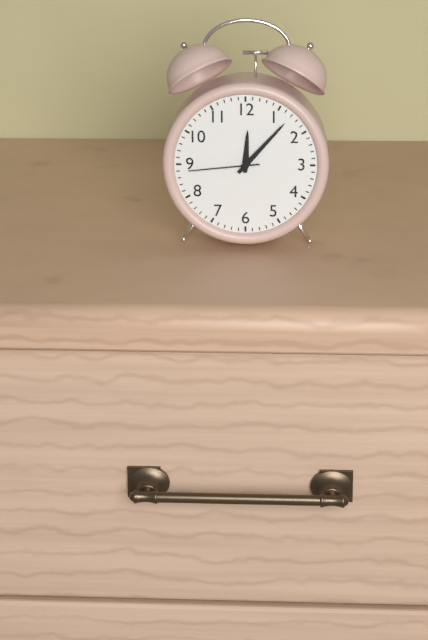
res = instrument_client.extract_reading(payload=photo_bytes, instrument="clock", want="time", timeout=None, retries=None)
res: 12:07:44
